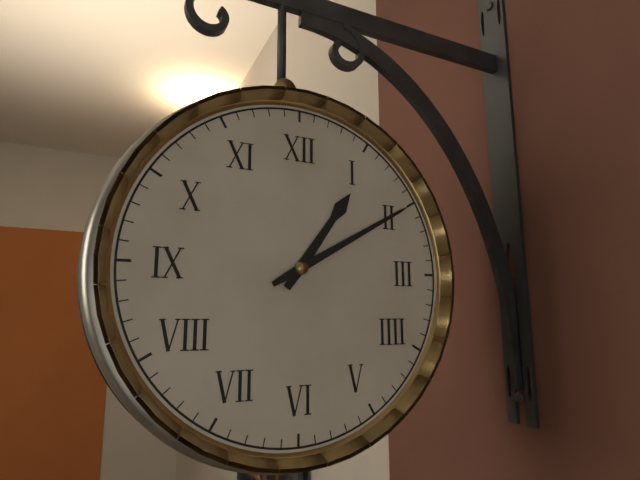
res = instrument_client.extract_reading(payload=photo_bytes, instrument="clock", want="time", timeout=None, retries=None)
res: 1:10
